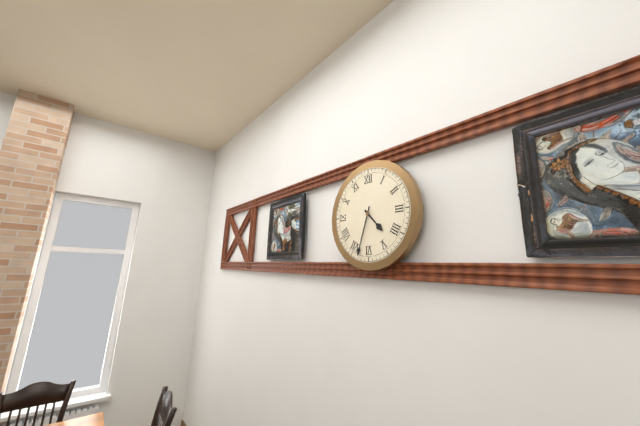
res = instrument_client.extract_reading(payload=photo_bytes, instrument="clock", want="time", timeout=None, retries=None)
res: 4:33
